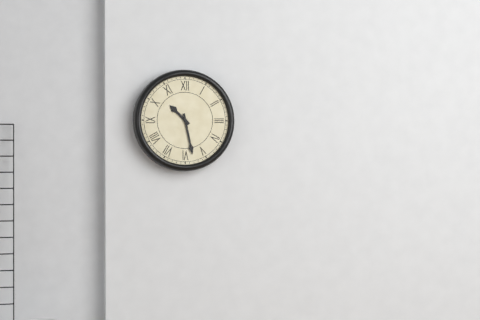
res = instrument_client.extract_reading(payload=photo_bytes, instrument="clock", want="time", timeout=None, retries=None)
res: 10:28
